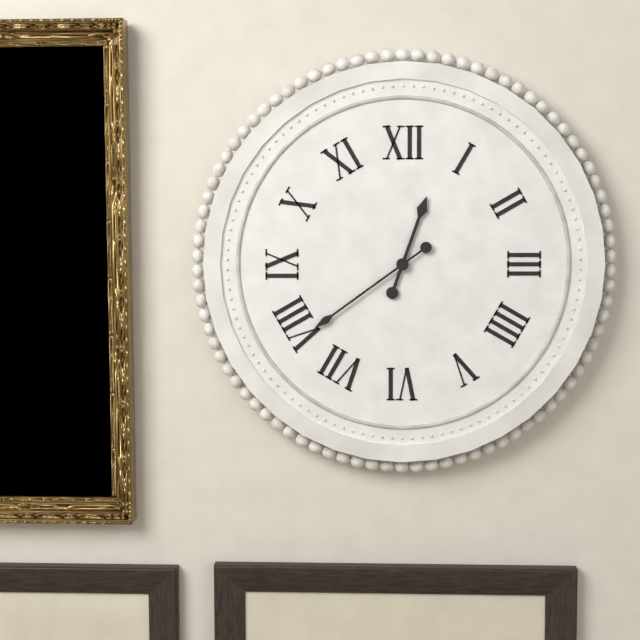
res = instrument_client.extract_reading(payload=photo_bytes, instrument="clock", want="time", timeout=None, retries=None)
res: 12:39
